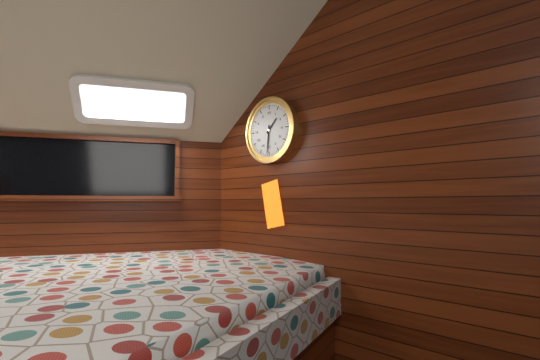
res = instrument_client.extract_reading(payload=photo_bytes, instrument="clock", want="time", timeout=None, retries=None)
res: 1:31
